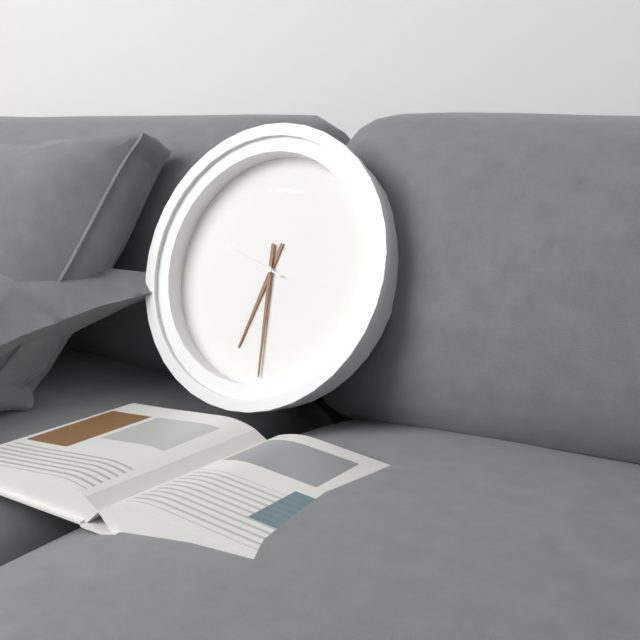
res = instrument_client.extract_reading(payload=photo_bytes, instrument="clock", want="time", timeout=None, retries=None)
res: 6:29:48
